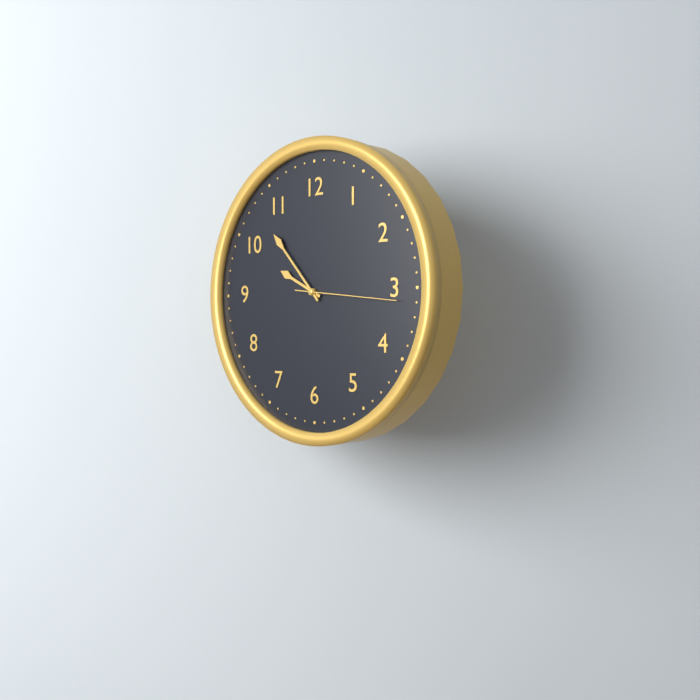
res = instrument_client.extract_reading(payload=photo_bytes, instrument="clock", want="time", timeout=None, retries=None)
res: 9:53:16
